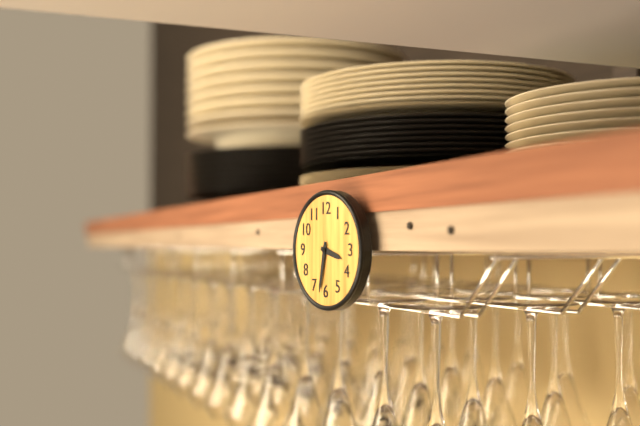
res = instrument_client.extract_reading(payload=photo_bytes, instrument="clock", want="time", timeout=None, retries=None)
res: 3:32
